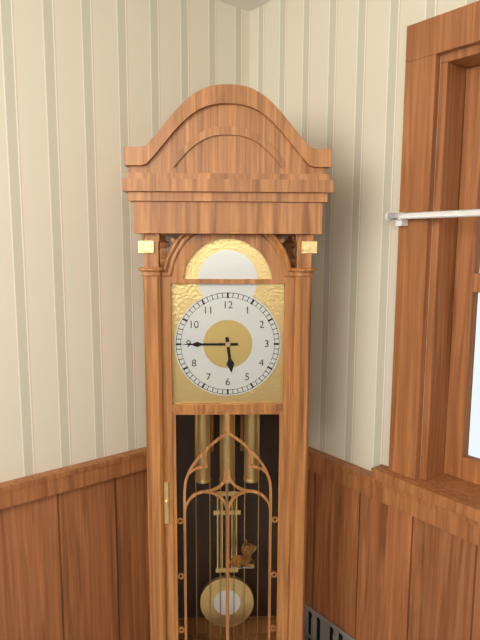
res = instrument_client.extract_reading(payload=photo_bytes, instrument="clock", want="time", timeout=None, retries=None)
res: 5:45
